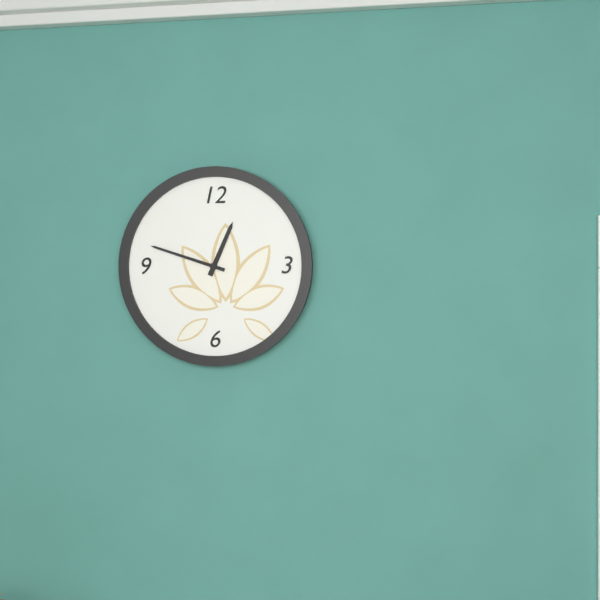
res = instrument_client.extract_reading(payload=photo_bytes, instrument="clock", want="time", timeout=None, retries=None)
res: 12:48
